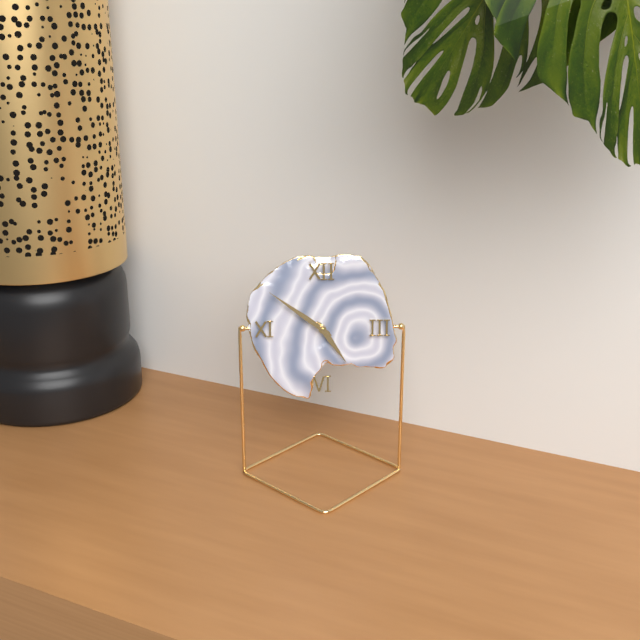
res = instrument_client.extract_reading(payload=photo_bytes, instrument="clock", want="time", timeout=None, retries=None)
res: 4:51
